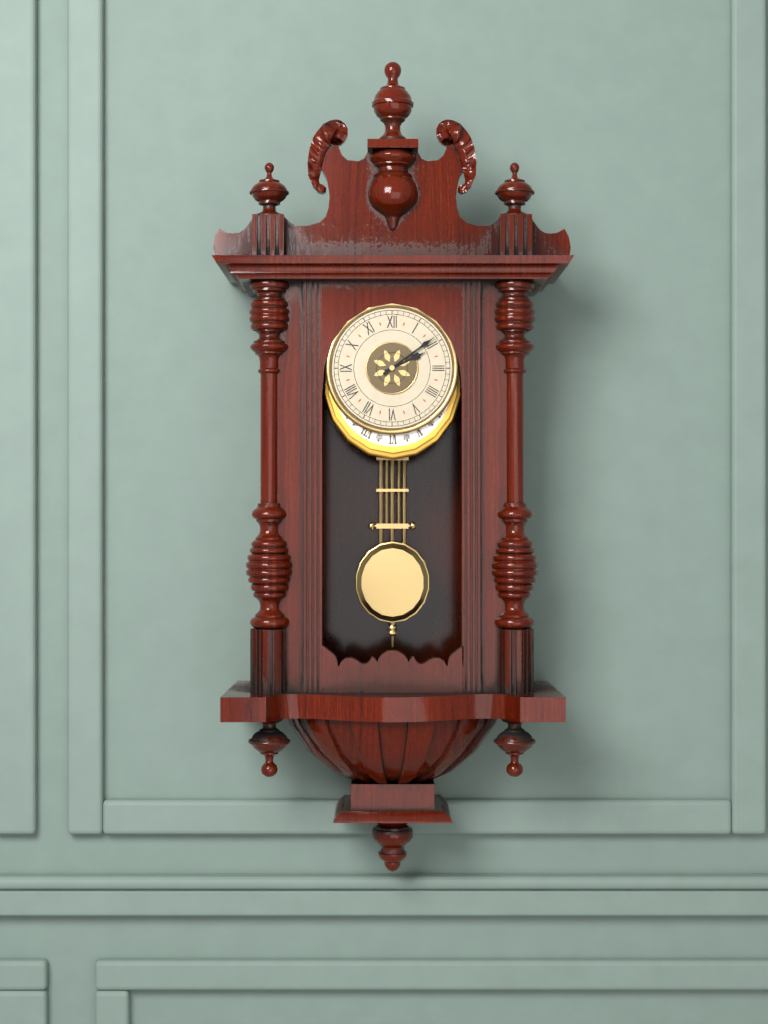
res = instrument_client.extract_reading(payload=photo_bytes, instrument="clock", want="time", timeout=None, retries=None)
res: 2:09
